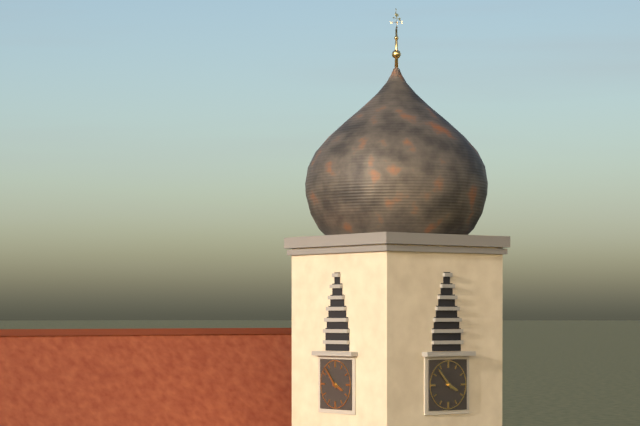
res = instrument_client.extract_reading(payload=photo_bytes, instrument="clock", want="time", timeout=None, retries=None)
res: 3:53
